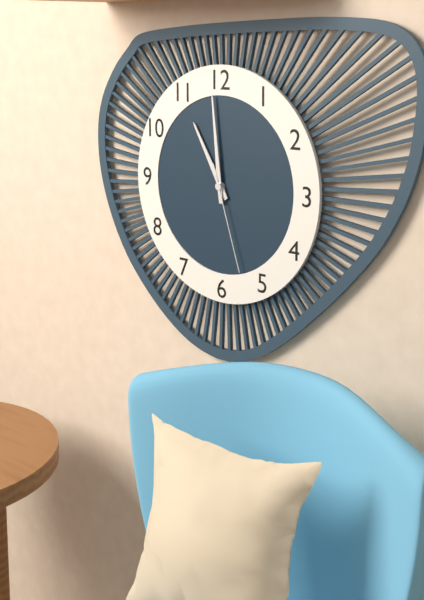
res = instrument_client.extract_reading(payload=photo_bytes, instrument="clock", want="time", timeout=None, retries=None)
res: 10:59:27
